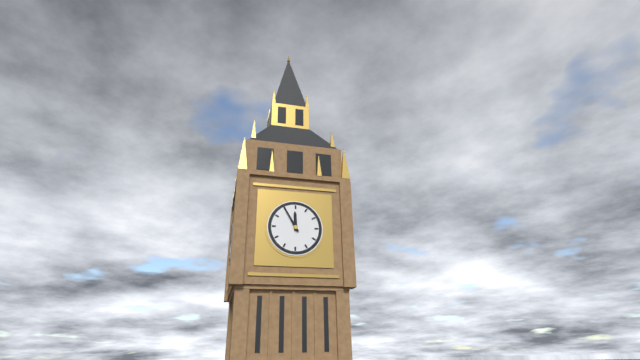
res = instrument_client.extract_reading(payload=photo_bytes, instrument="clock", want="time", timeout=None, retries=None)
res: 11:55
